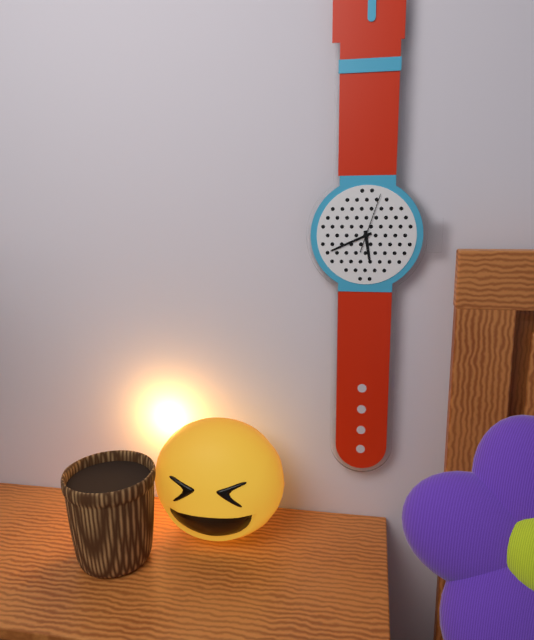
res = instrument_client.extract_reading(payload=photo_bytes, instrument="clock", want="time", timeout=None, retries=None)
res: 5:41:03
